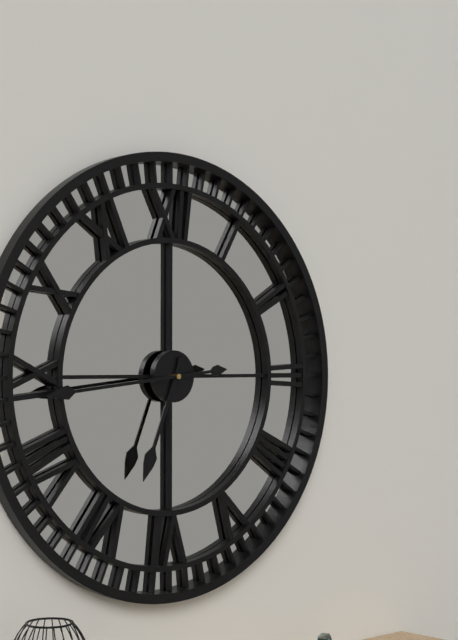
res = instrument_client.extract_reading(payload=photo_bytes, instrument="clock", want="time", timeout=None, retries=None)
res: 6:44
